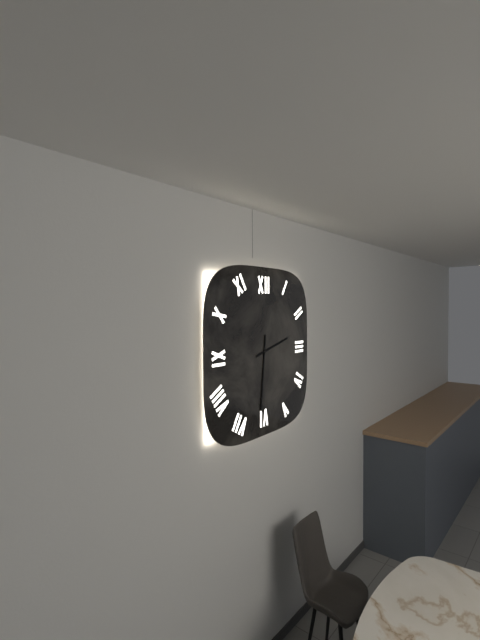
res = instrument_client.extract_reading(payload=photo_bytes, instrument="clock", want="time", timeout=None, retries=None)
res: 2:31
